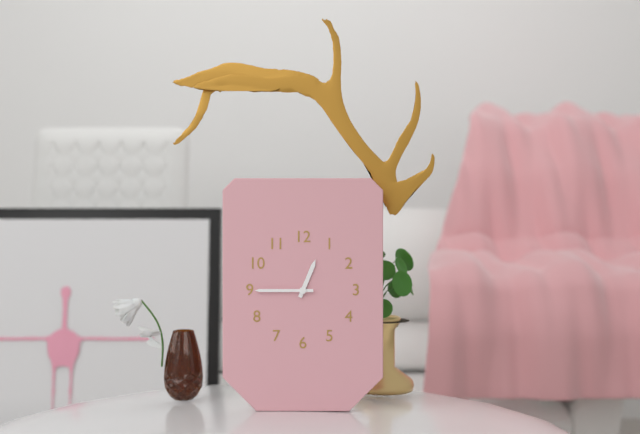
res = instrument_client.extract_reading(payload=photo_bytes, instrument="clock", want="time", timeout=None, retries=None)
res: 12:45
